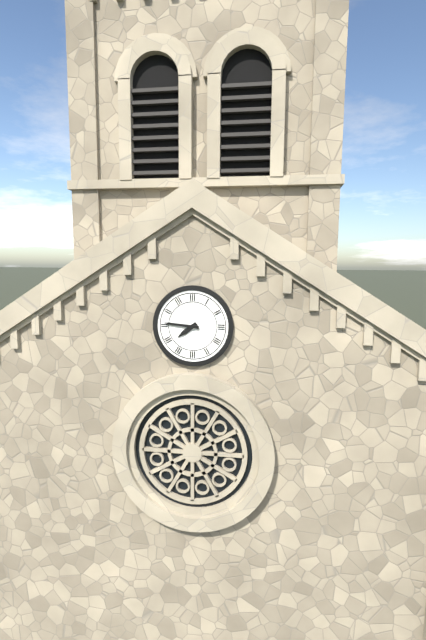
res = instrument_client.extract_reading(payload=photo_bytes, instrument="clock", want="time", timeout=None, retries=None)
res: 7:46
